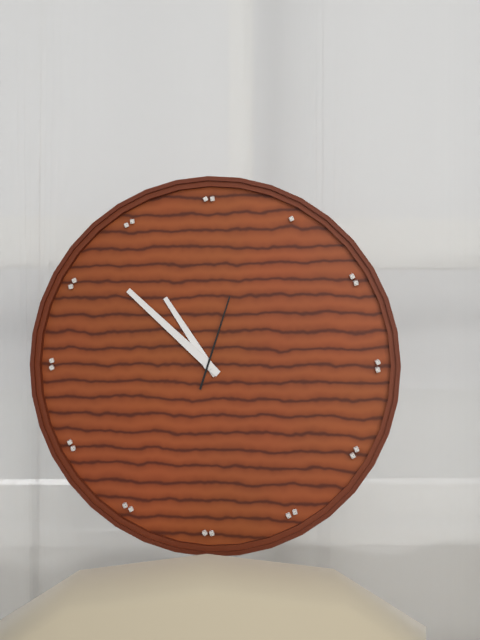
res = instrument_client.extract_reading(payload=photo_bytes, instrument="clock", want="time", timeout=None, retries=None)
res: 10:52:03
